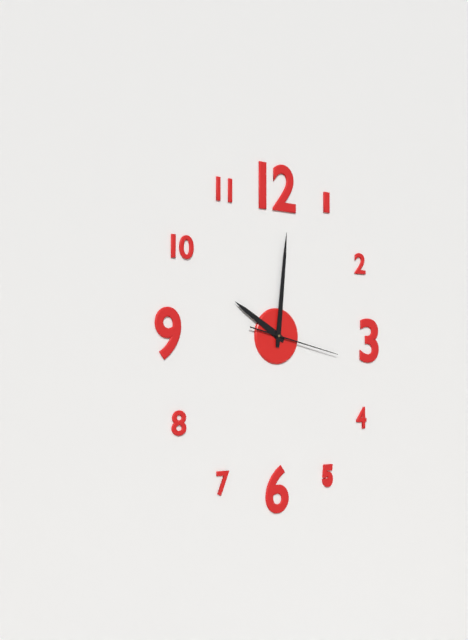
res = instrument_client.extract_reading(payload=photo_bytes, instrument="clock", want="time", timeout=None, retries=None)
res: 10:01:17
